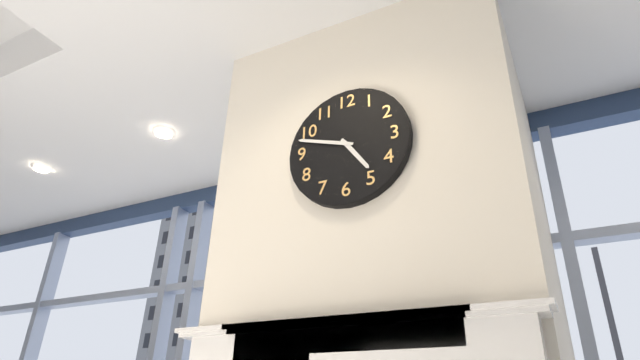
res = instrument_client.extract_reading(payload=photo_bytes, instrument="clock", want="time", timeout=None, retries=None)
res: 4:48
